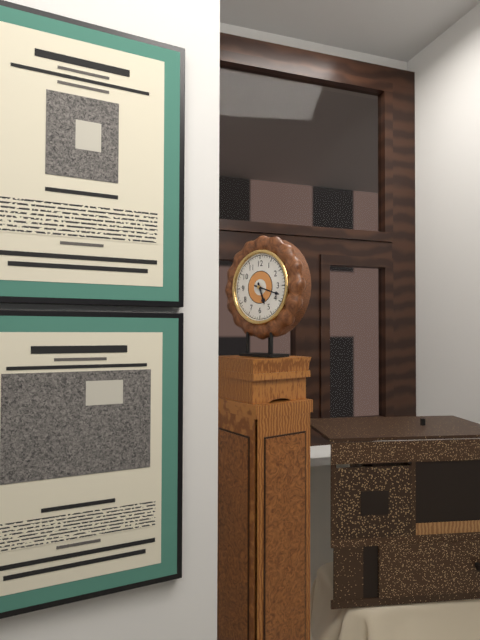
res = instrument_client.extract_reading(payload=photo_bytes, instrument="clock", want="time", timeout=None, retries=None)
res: 5:18
